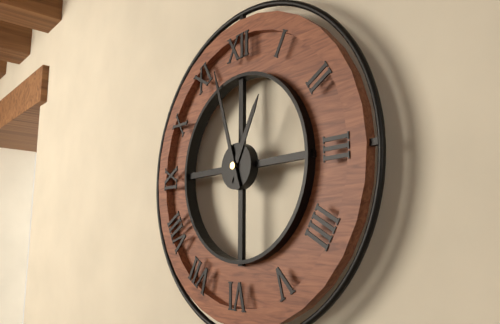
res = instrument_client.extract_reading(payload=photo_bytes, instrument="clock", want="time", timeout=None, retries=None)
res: 12:57
